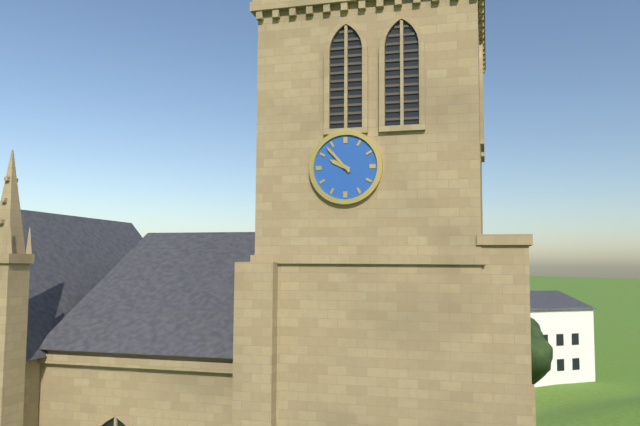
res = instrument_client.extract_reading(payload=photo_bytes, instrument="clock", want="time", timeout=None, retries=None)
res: 9:53
